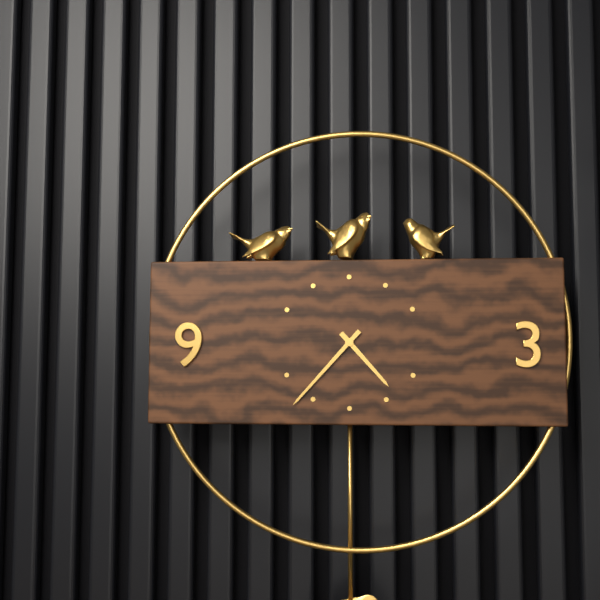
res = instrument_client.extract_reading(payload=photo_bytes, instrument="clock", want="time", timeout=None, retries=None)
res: 4:37
